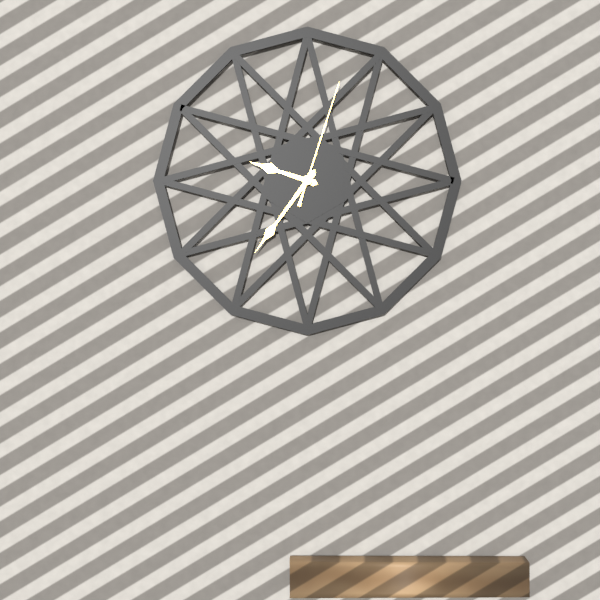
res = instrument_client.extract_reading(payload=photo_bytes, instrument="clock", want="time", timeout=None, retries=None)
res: 9:36:03
